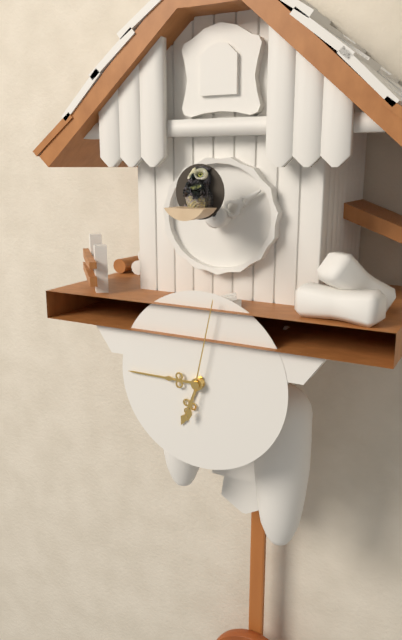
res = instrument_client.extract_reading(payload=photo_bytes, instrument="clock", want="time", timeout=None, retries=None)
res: 6:45:02
